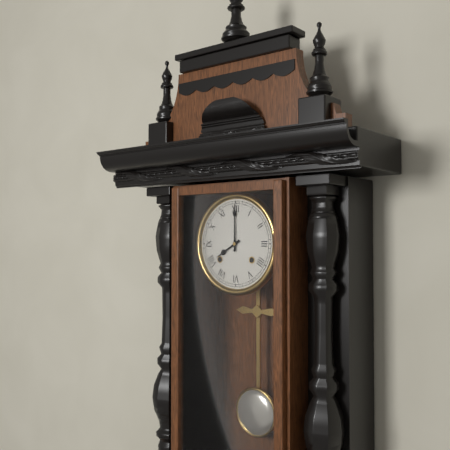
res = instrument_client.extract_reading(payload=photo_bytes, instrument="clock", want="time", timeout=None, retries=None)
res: 8:00
